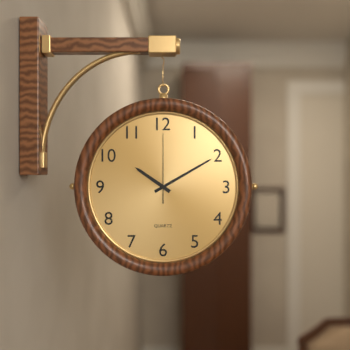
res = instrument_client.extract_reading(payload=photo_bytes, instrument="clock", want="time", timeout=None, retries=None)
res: 10:10:00
